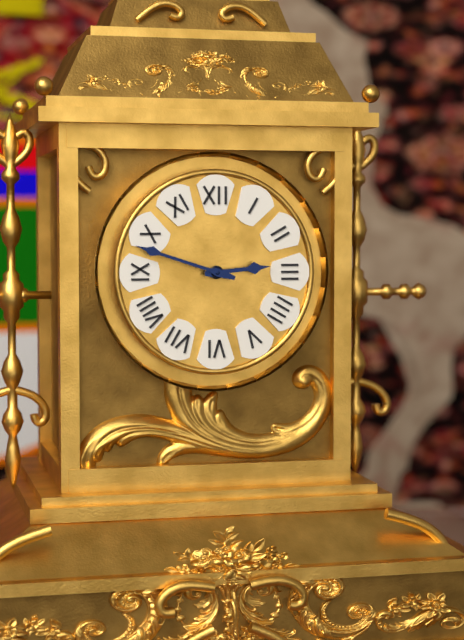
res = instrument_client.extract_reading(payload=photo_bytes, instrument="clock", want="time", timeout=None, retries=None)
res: 2:48
